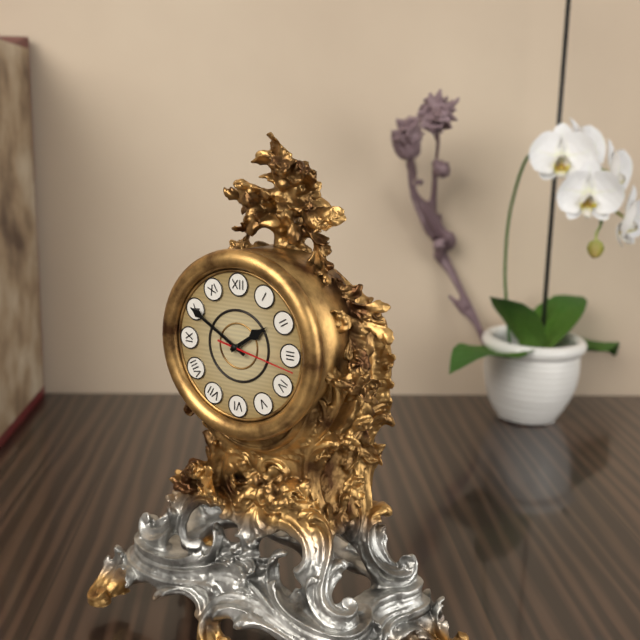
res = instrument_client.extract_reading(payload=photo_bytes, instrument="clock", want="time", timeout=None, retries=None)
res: 1:50:17
